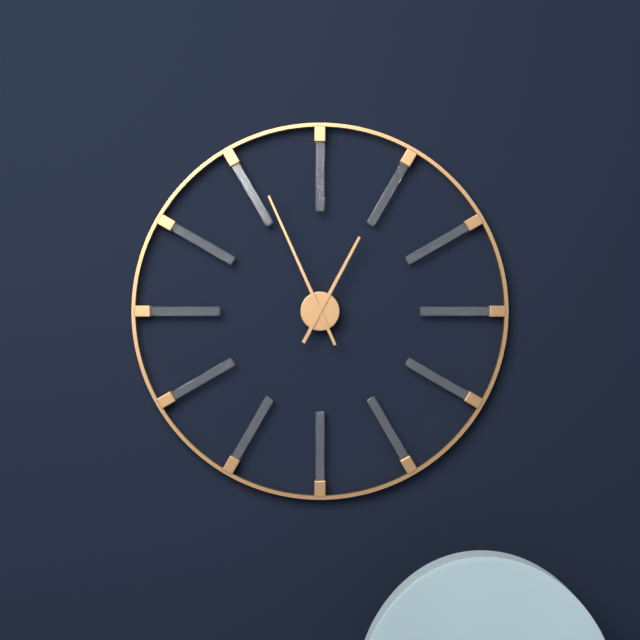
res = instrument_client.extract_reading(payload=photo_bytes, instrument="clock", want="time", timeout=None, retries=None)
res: 12:56
